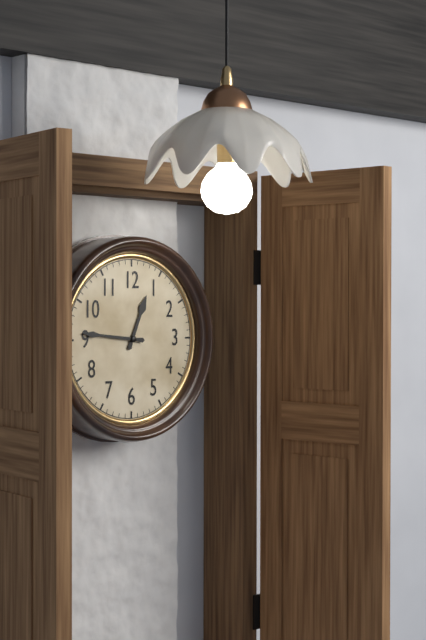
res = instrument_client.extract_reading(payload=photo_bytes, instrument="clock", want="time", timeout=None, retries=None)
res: 12:46
